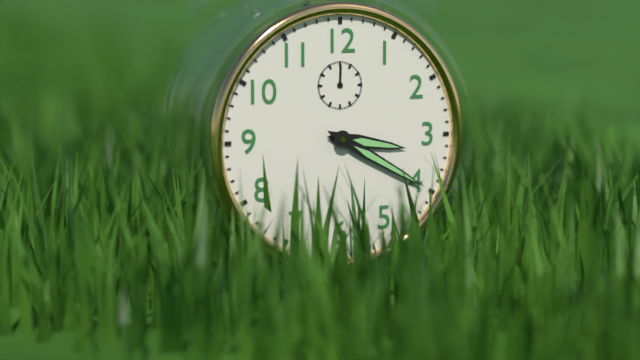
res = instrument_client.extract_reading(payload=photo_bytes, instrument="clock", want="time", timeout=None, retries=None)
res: 3:20
